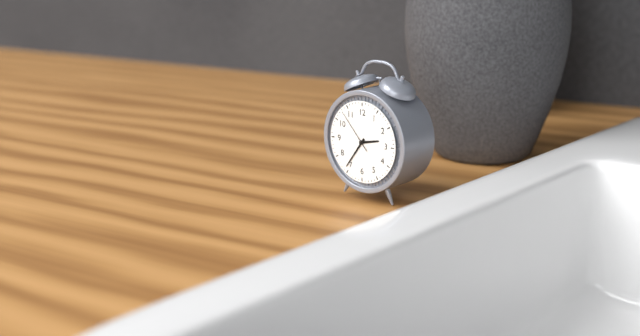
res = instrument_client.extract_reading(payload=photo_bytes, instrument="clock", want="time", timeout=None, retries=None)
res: 2:36
